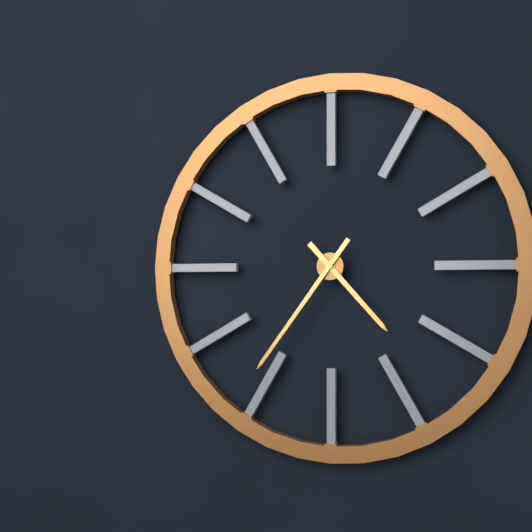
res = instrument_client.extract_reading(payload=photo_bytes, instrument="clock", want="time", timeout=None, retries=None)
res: 4:36
